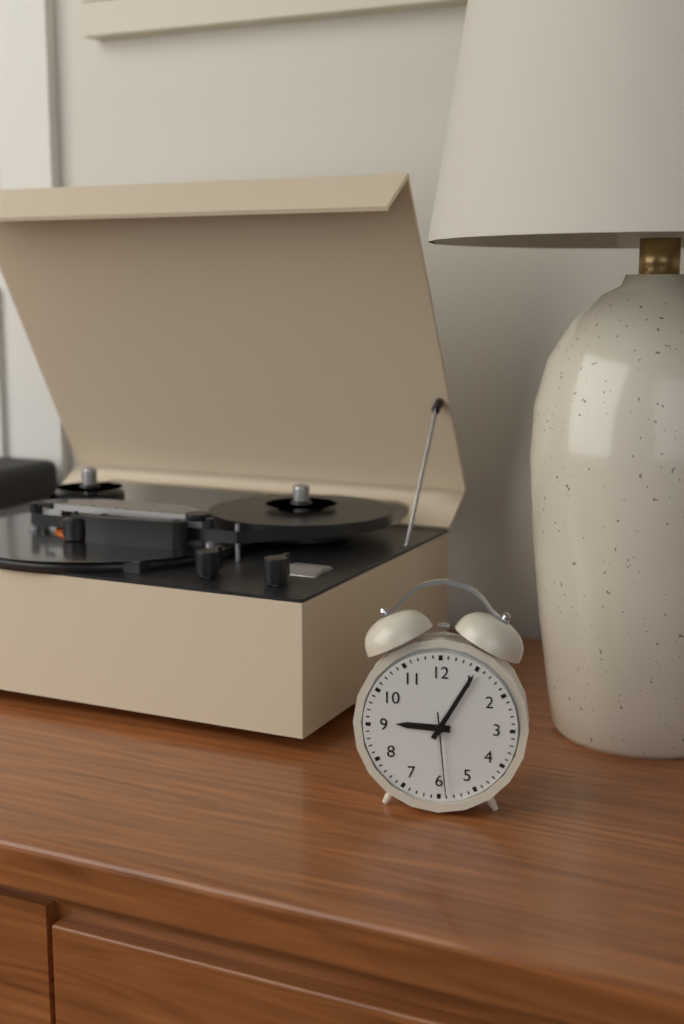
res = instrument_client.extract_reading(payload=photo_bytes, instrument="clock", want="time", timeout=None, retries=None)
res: 9:05:29
